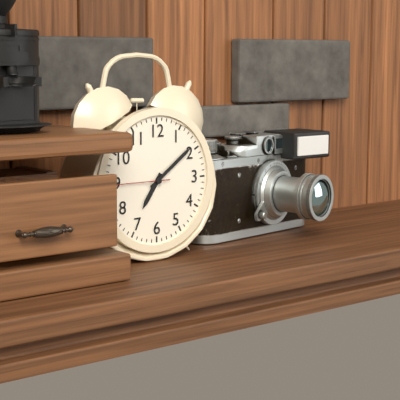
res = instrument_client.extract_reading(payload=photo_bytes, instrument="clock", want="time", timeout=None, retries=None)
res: 7:09:45
